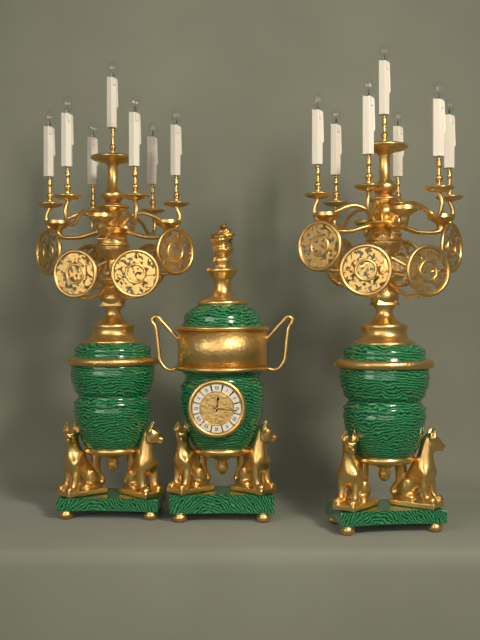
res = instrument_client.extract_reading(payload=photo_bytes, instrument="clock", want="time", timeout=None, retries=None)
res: 12:16
